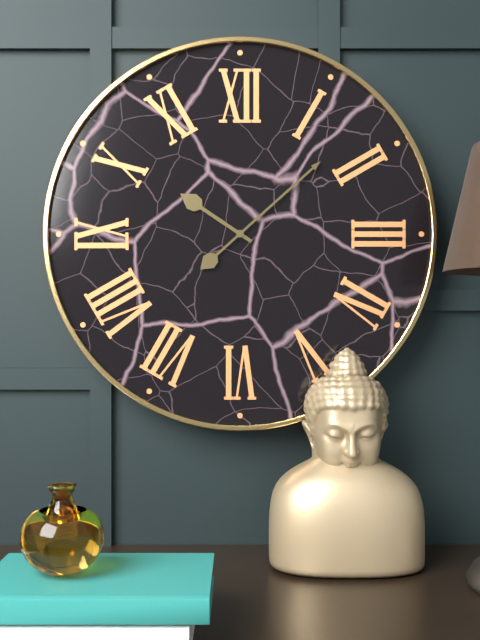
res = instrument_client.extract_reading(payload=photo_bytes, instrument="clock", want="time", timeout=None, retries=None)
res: 10:08
